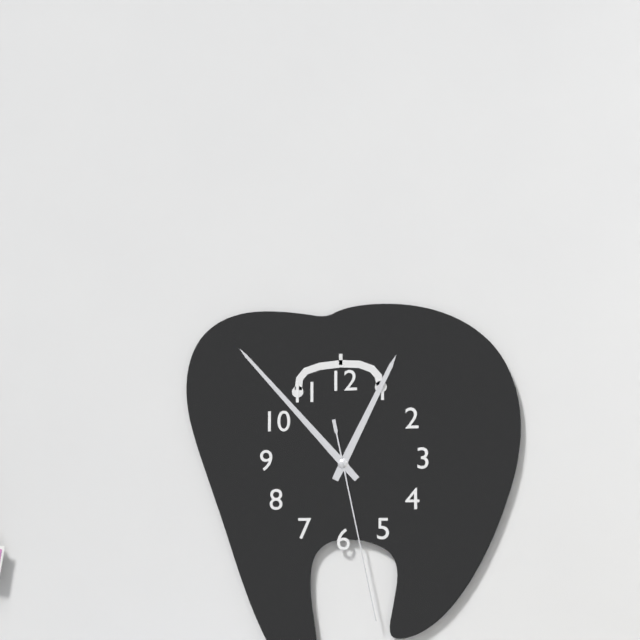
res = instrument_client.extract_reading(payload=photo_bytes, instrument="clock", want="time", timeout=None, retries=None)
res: 12:53:28
